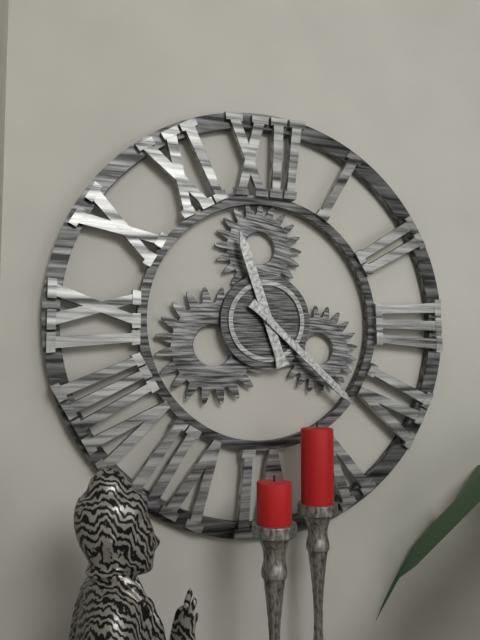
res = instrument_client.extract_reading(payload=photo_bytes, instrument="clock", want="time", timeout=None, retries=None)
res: 11:22
